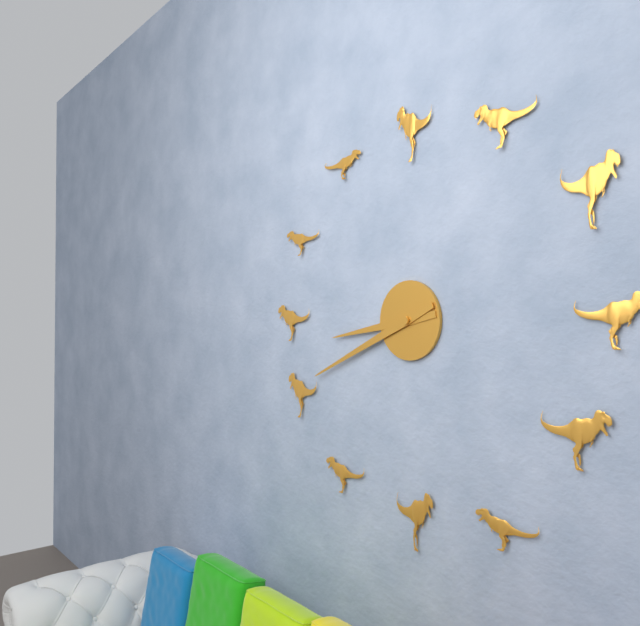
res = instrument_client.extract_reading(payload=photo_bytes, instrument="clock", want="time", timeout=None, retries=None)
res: 8:41
